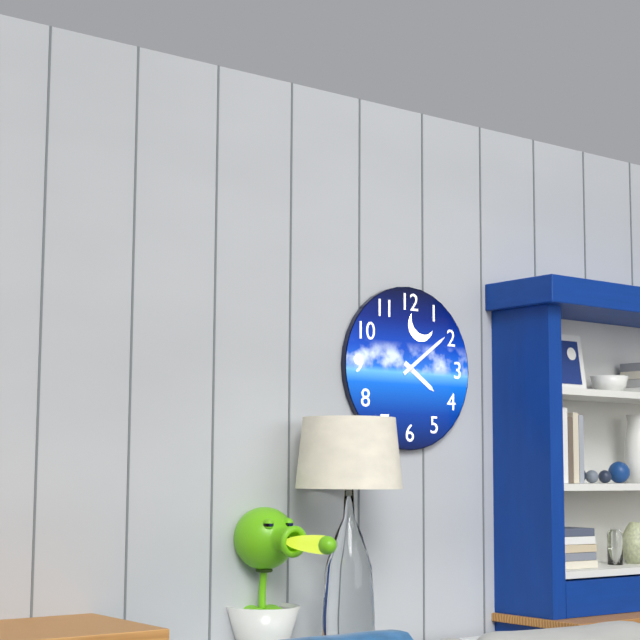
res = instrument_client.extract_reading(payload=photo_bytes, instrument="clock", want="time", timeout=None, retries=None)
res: 4:09
